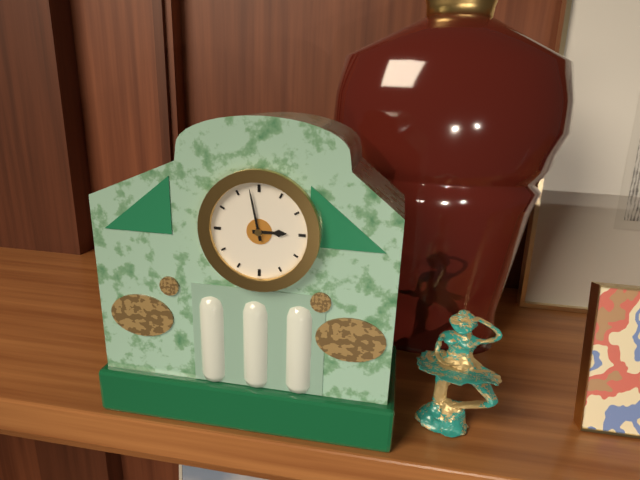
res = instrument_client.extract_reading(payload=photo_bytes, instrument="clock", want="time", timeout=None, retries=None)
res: 2:58
